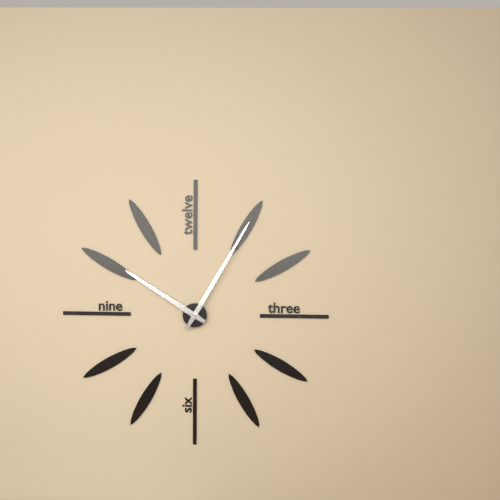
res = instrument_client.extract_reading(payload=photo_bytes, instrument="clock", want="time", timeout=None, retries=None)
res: 10:05
